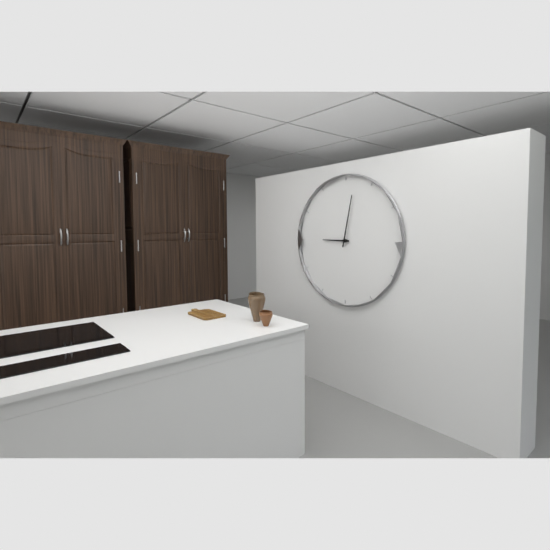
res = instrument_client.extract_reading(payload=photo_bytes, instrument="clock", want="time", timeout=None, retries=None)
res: 9:02
